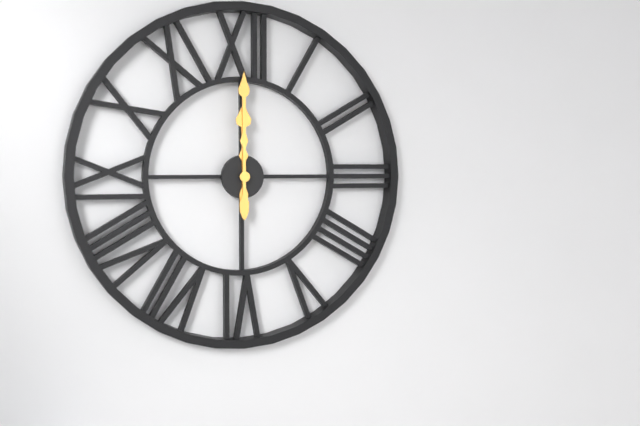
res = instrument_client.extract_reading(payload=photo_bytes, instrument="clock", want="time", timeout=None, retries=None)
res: 12:00
